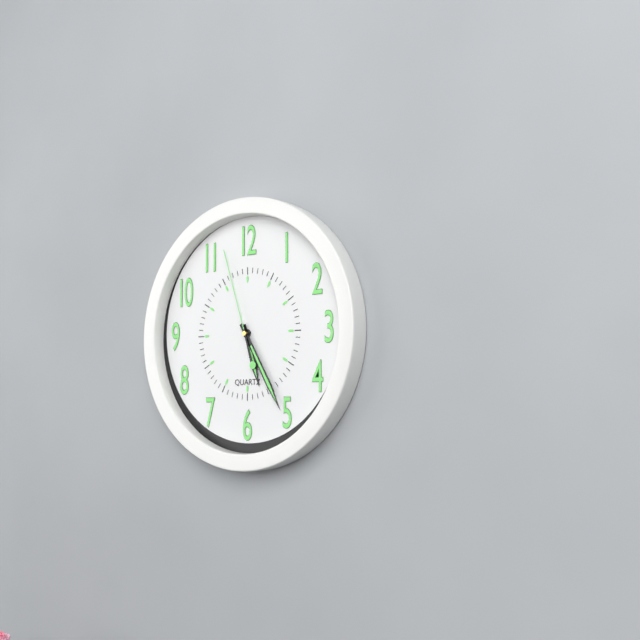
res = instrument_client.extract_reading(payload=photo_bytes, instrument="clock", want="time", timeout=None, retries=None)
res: 5:25:57
